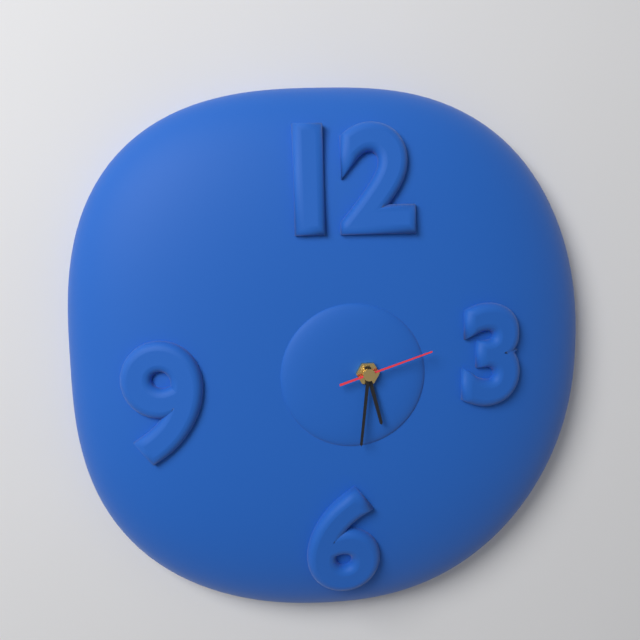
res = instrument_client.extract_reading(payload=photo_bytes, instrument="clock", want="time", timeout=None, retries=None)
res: 5:31:12
